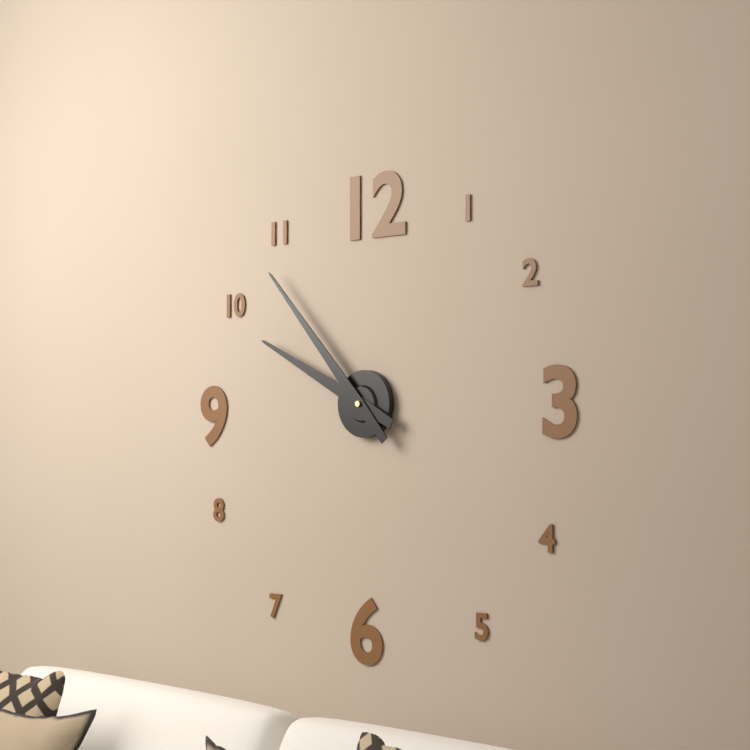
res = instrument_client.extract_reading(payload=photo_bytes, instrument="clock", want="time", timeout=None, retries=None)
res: 9:53
